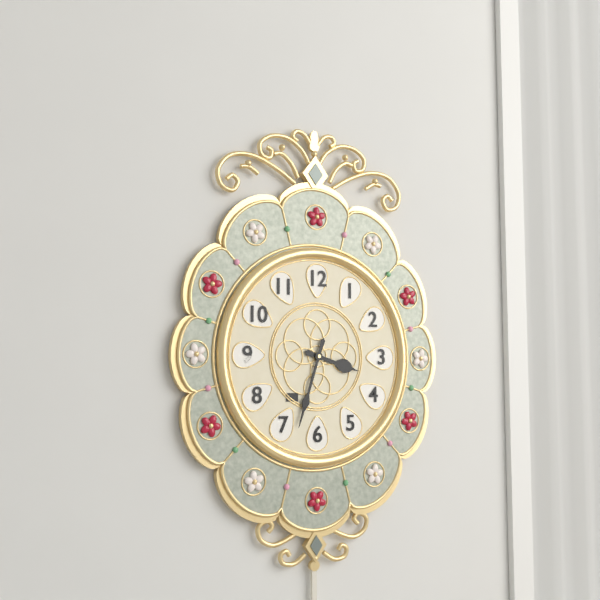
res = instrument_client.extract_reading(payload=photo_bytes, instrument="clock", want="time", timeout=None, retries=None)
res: 3:33
